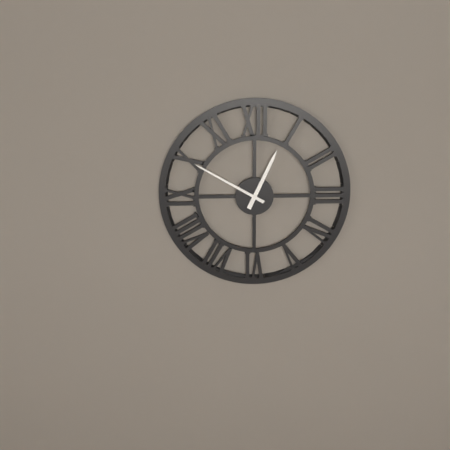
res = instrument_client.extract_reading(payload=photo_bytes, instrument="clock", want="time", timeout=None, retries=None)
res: 12:50
